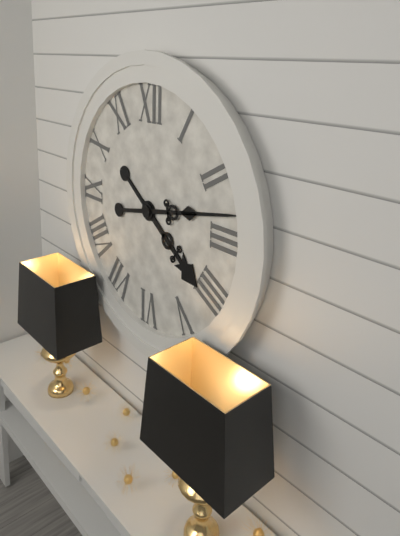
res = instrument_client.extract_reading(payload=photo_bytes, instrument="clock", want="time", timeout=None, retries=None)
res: 4:13
